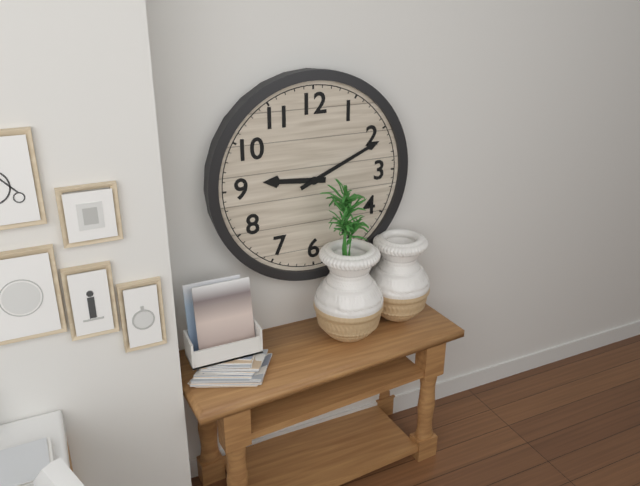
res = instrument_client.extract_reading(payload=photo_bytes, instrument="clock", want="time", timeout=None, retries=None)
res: 9:11
